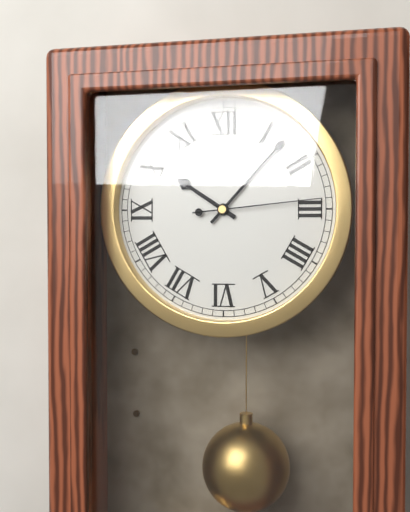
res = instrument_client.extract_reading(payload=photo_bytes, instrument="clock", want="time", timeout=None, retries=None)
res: 10:07:14
